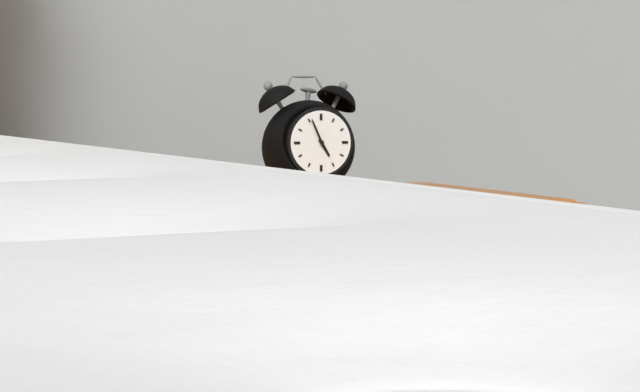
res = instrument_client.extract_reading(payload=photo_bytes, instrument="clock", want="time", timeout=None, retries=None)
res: 4:56
